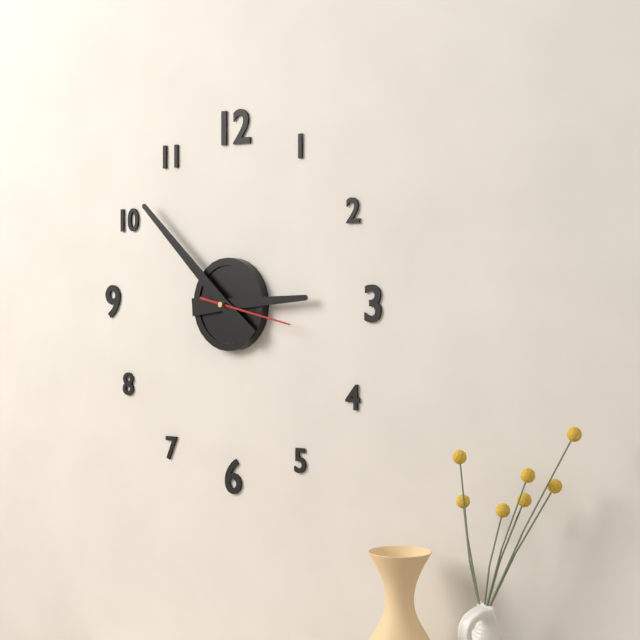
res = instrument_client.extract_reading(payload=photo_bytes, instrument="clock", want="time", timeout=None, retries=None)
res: 2:52:17
